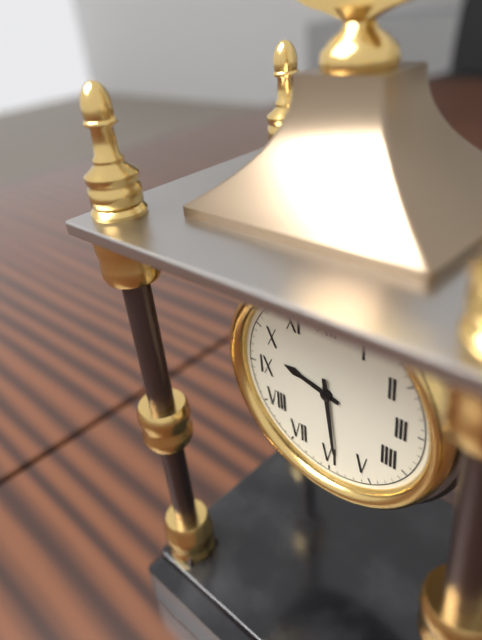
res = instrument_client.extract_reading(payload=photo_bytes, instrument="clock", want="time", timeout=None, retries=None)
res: 9:29
